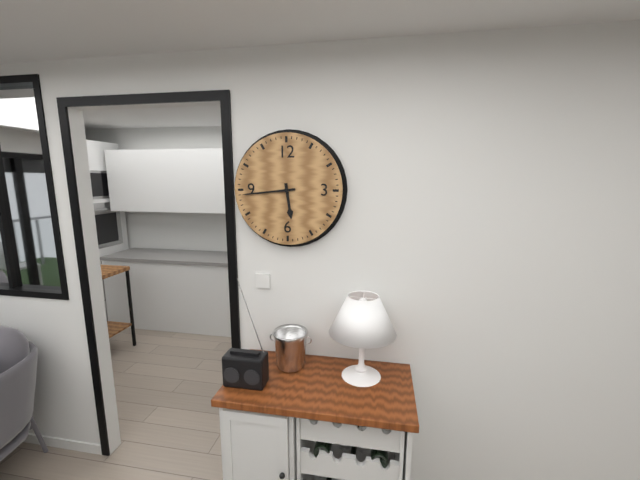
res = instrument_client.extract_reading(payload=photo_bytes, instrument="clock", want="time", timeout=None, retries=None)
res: 5:44
